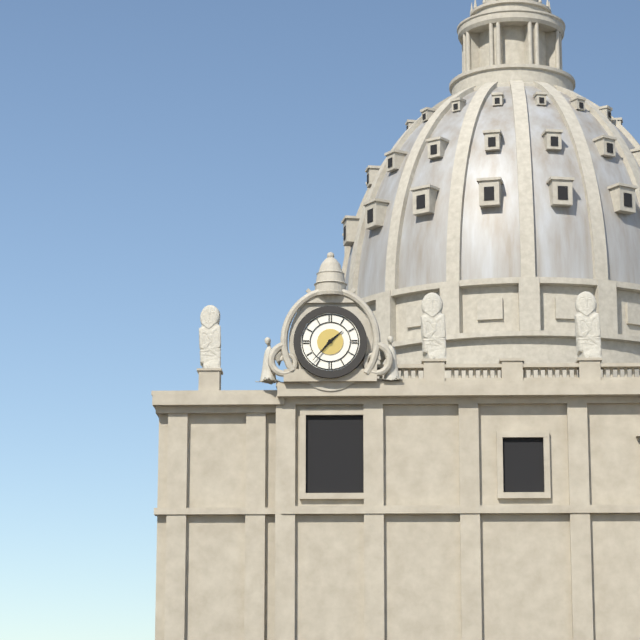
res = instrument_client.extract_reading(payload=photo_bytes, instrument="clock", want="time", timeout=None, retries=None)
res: 1:37
